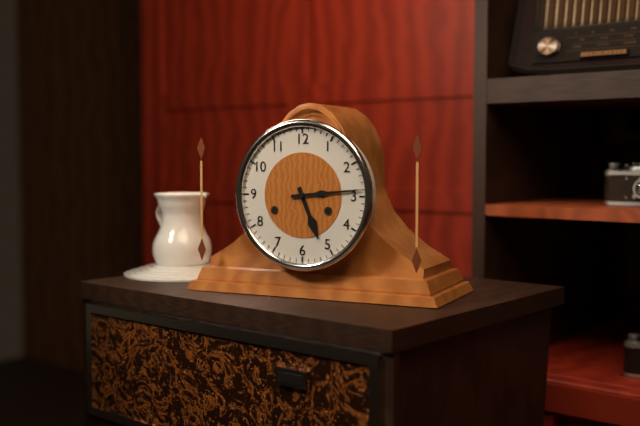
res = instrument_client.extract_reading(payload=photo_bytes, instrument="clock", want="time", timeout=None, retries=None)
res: 5:14
